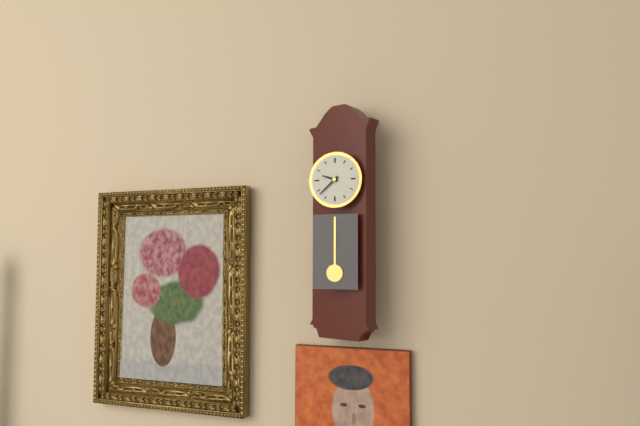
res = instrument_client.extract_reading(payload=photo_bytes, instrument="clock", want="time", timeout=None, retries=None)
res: 9:38
